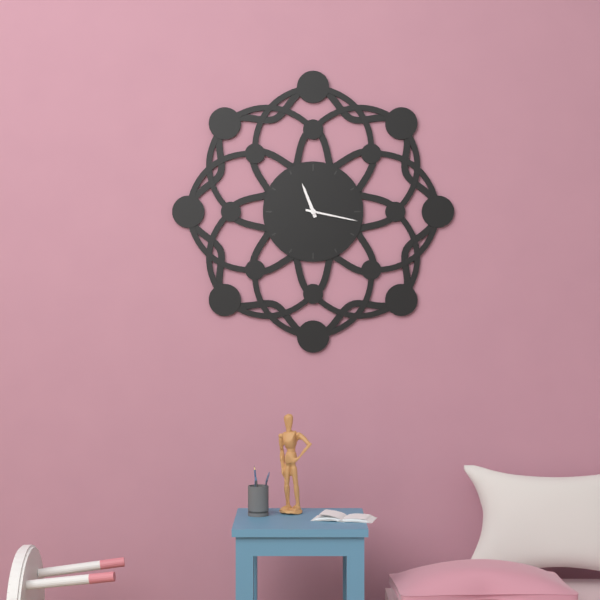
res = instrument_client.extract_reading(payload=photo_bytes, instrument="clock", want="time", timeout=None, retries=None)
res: 11:17
